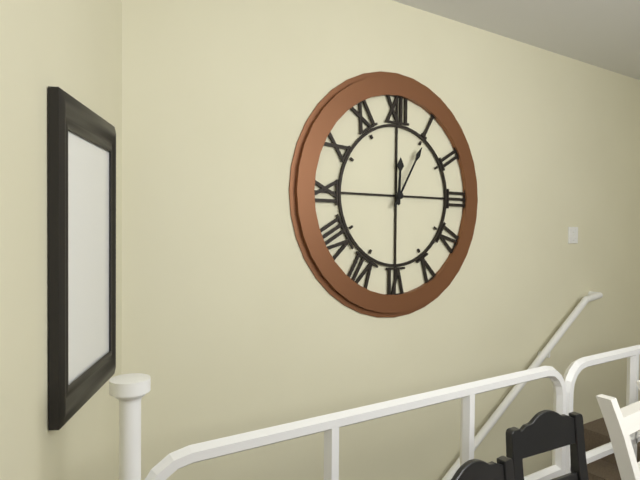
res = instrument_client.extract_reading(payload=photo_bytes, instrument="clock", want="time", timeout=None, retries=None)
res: 12:05
